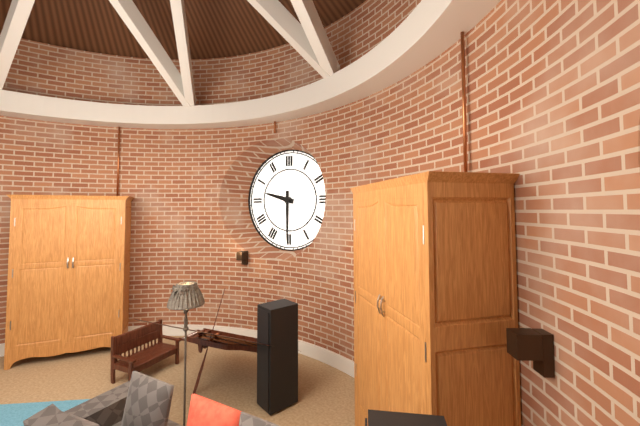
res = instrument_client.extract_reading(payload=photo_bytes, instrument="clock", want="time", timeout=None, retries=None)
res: 9:30
